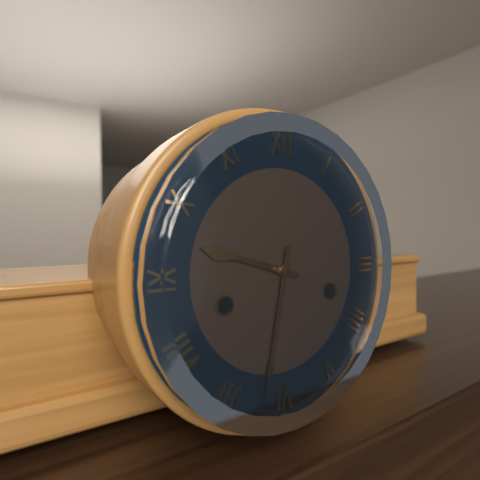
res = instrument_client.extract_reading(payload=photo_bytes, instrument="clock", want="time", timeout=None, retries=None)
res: 9:32
